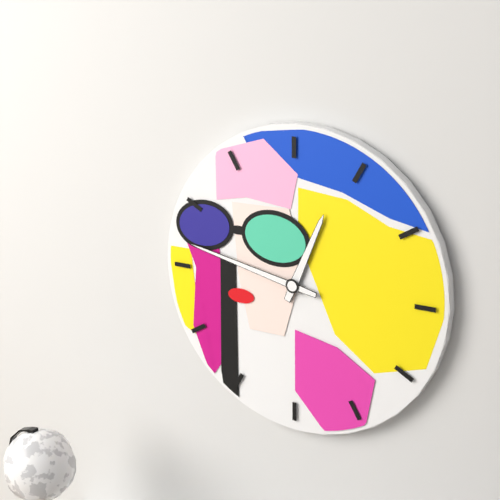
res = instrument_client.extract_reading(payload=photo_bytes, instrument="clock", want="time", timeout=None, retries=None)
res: 12:47
